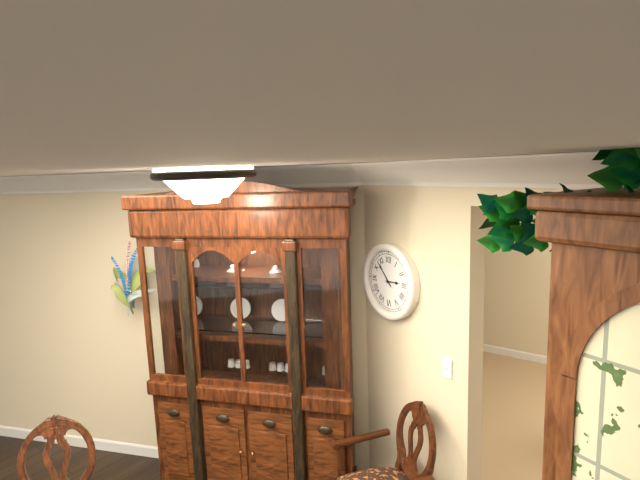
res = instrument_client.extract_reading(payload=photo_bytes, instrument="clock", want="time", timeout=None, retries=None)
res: 2:53
